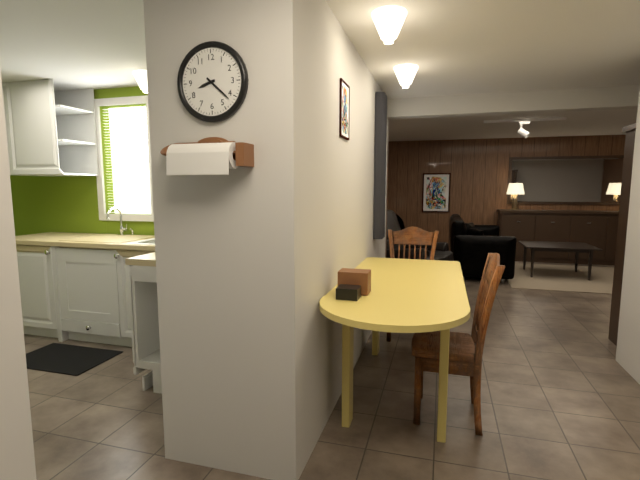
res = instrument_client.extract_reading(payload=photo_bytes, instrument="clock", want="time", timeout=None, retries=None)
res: 8:22
